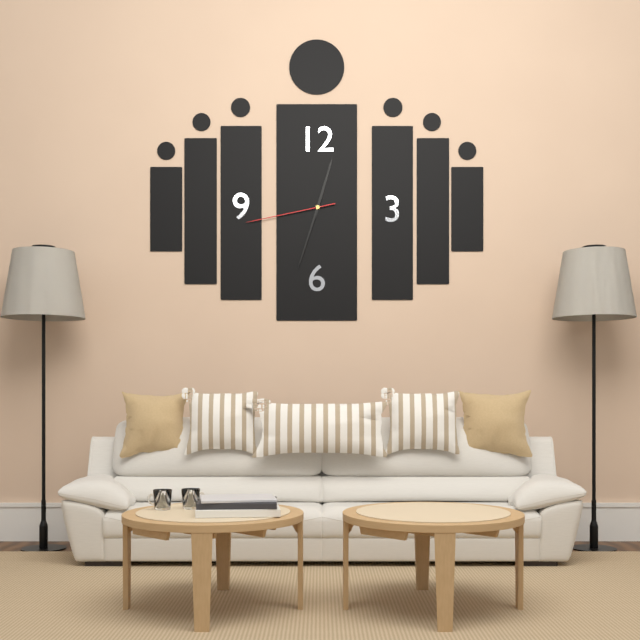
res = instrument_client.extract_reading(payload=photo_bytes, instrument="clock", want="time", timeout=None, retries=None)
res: 12:33:43
